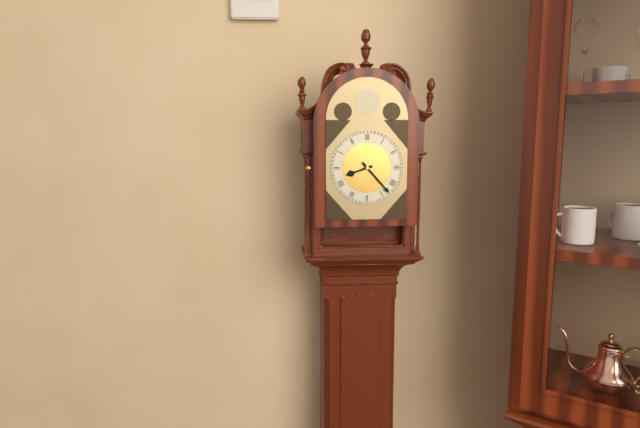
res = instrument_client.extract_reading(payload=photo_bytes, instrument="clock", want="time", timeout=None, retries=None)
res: 8:23
